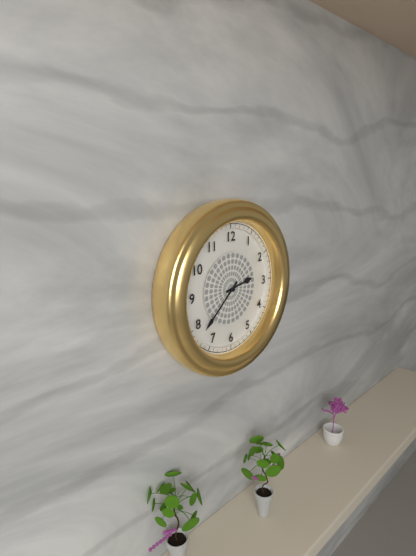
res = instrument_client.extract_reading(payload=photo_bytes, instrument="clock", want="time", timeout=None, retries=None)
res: 2:38
